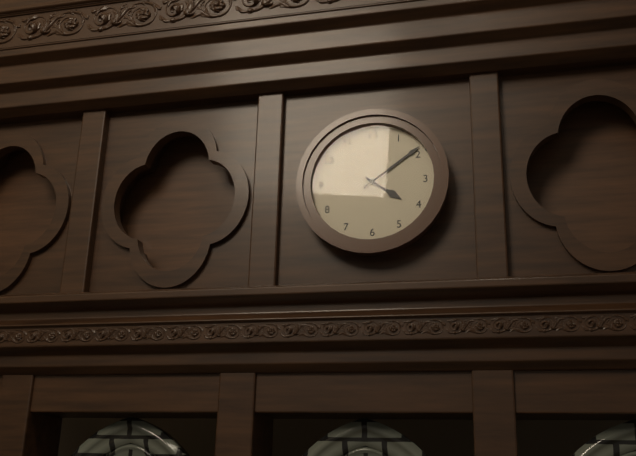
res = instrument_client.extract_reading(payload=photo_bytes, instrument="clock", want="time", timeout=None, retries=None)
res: 4:09
